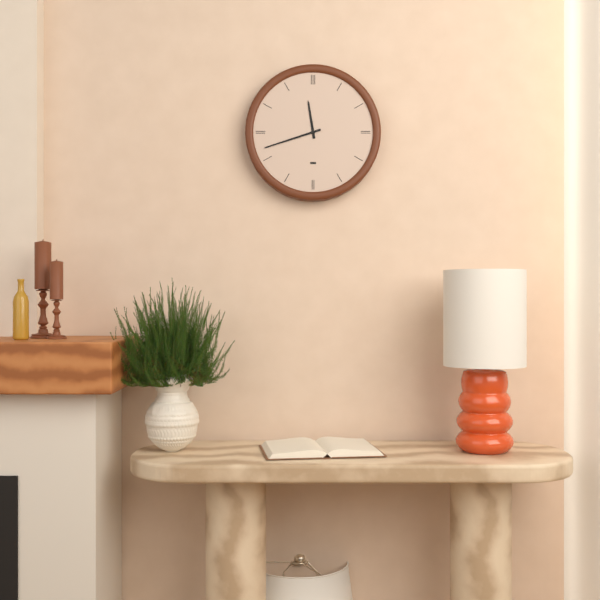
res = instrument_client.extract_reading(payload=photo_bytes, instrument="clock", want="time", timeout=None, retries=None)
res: 11:42
